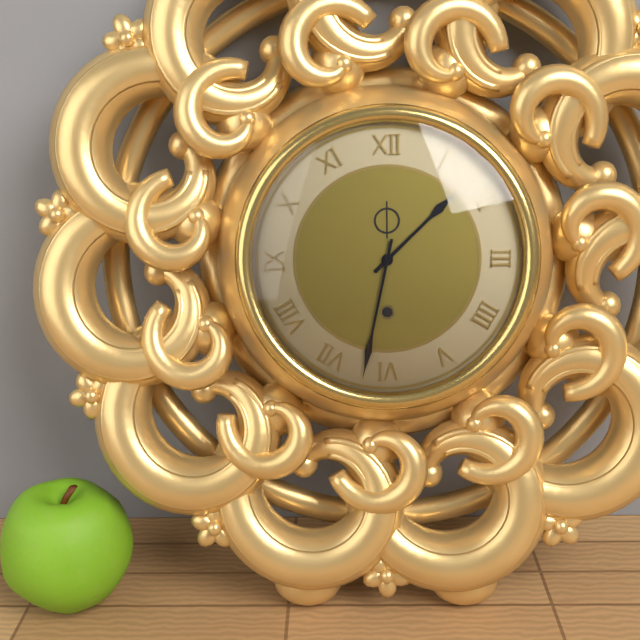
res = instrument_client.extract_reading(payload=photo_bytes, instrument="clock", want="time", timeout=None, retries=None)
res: 1:32
